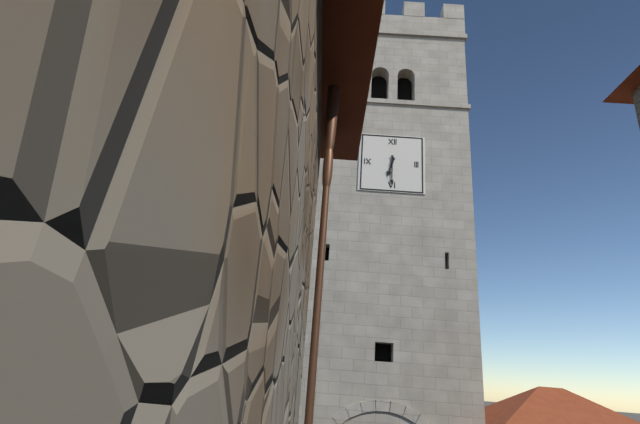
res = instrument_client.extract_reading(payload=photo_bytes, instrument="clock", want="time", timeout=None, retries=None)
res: 6:30
